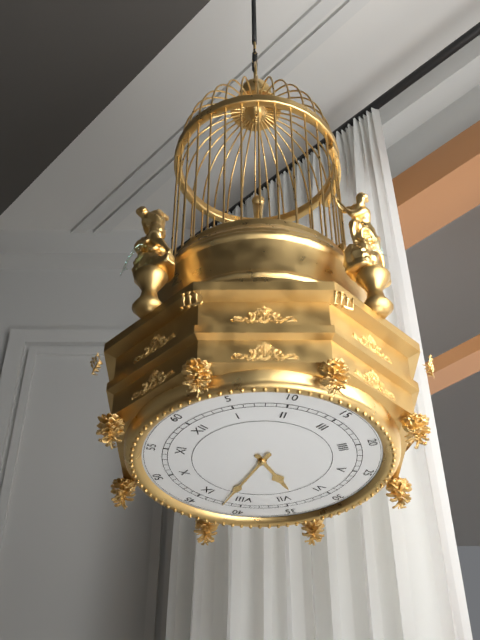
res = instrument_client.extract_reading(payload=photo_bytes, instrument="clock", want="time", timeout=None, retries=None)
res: 6:42
